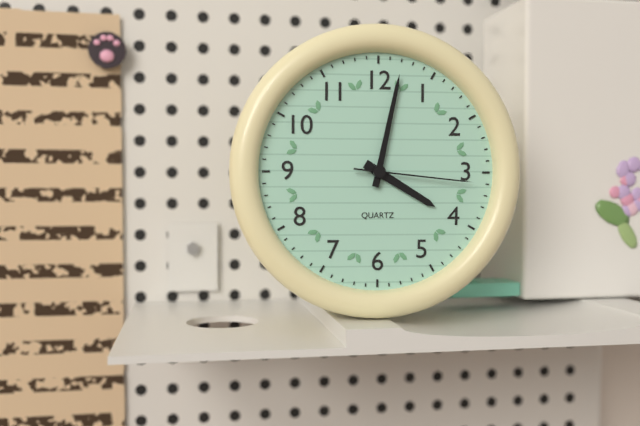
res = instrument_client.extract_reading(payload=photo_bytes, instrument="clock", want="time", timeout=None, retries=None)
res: 4:02:16
